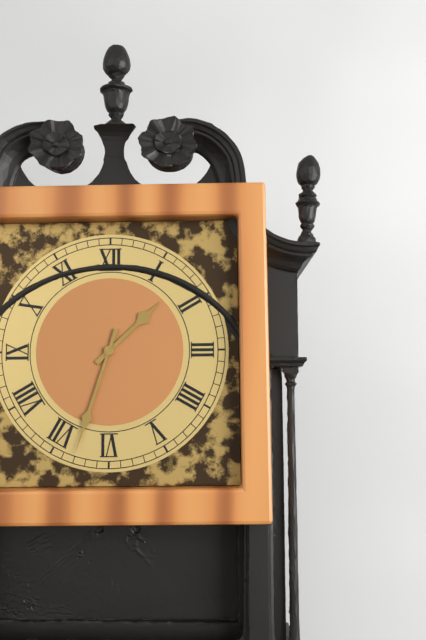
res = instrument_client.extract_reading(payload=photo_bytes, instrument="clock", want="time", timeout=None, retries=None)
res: 1:33
